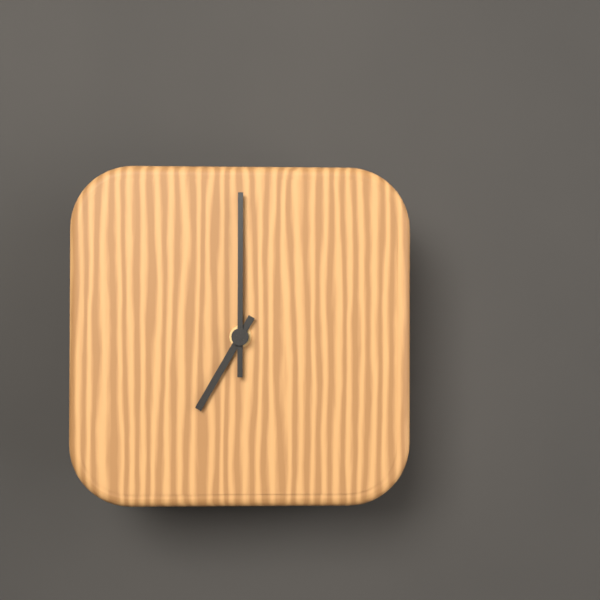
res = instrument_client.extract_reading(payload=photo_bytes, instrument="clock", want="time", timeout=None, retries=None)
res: 7:00
